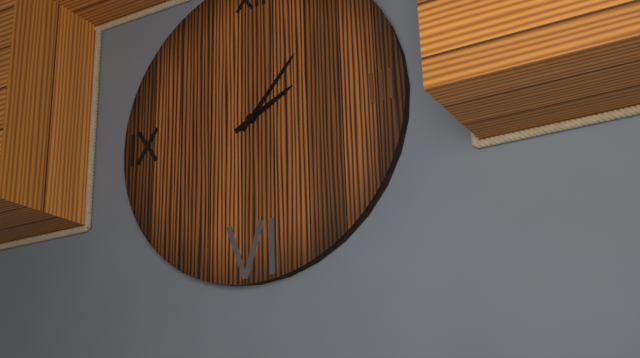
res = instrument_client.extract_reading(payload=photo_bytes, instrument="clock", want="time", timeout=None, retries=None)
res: 2:07
